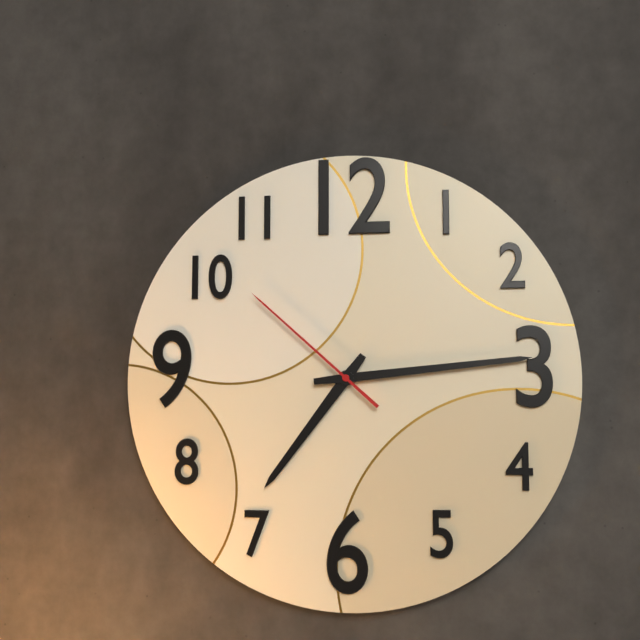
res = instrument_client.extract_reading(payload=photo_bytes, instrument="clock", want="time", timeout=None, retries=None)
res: 7:14:52
